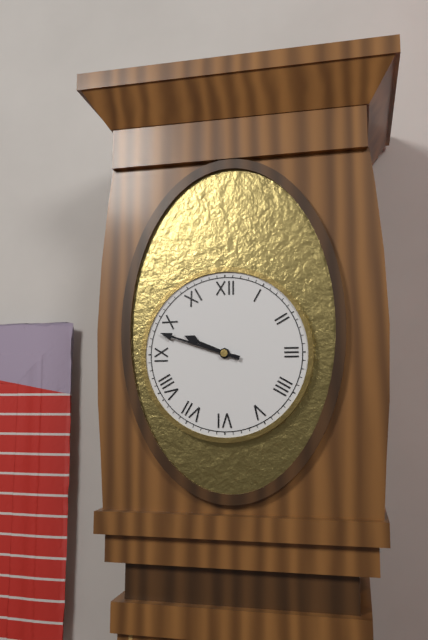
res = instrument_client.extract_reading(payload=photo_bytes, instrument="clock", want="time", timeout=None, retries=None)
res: 9:48
